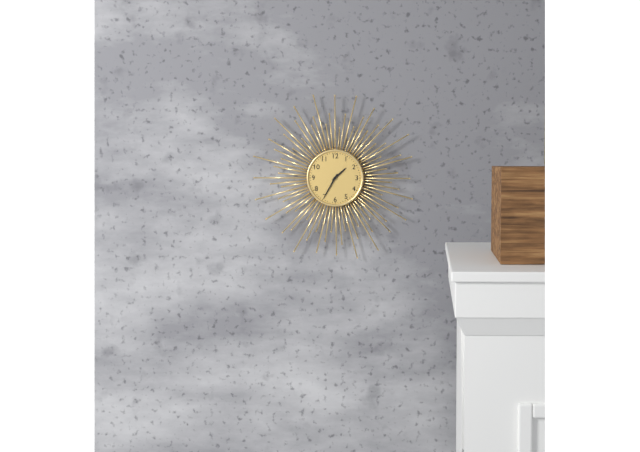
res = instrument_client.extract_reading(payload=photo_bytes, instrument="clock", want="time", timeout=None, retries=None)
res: 1:35
